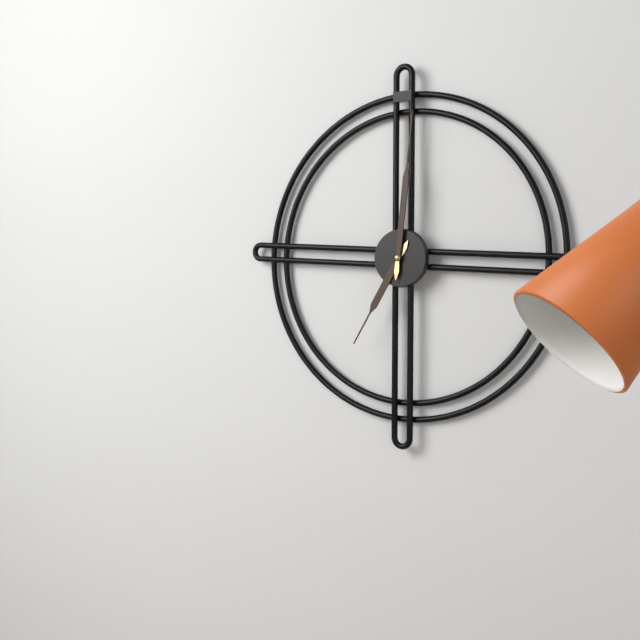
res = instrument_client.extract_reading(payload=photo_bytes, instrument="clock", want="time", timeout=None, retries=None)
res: 7:01
